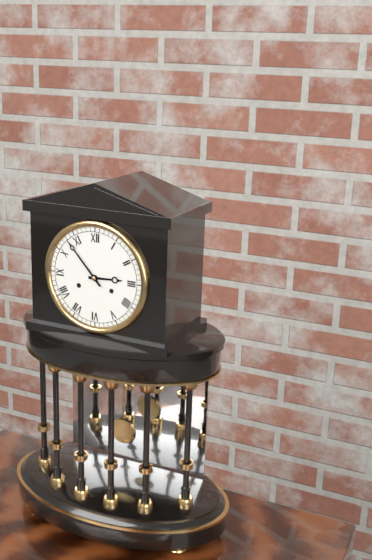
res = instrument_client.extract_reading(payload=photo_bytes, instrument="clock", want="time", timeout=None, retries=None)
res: 2:53
